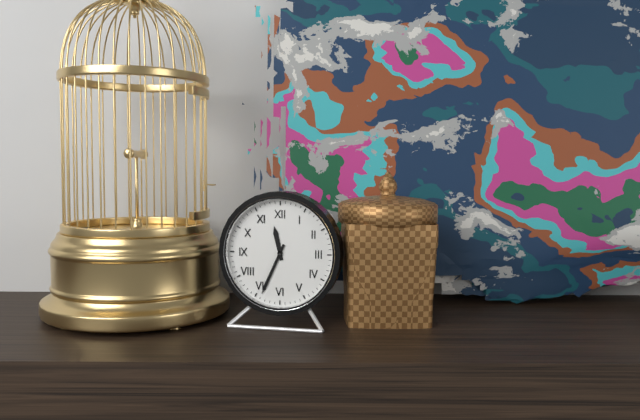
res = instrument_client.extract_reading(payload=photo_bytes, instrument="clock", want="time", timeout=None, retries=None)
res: 11:34
